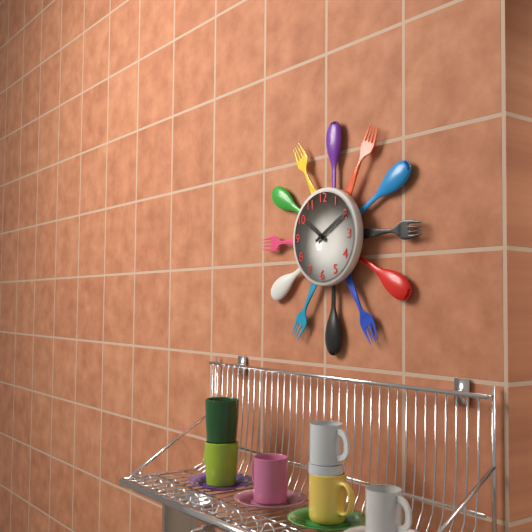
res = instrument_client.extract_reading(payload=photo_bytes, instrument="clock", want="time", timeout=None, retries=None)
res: 10:10
